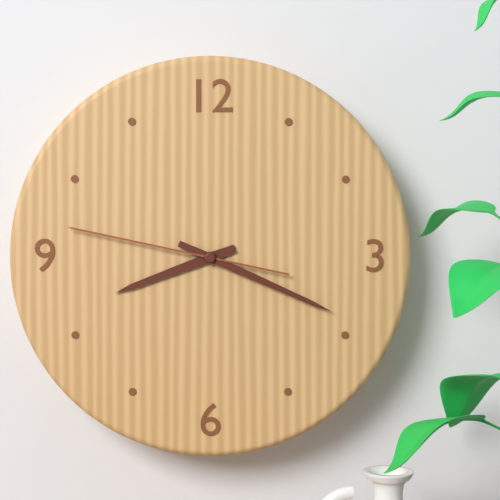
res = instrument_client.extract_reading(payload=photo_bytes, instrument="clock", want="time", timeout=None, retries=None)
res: 8:19:47
